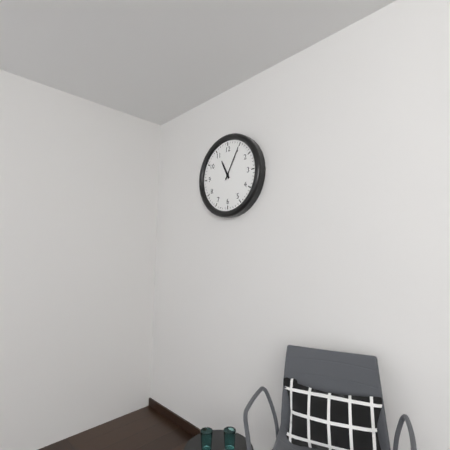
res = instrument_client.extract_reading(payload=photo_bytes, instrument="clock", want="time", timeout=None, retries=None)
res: 11:05
